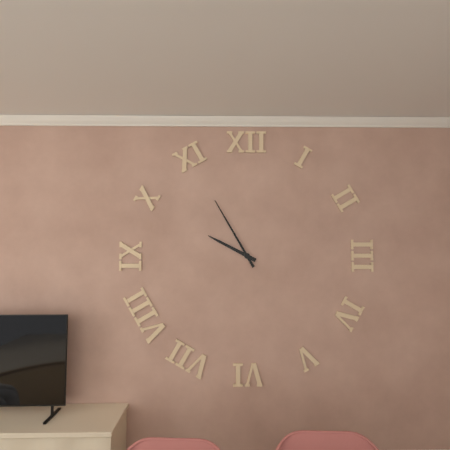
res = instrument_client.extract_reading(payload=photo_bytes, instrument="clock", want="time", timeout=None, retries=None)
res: 9:55
